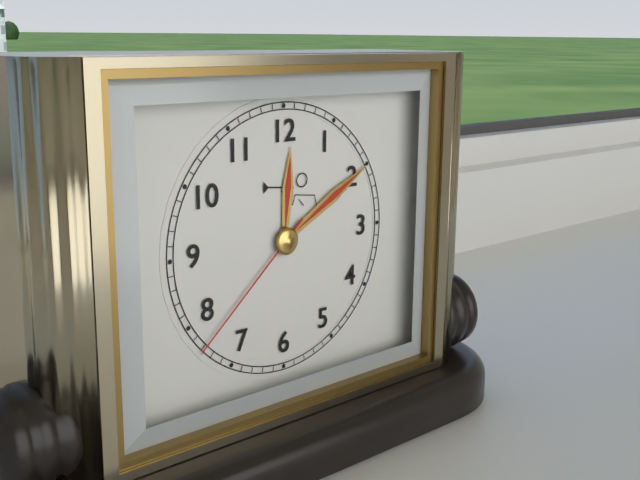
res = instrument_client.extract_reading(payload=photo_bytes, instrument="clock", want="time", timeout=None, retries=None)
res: 12:10:38
